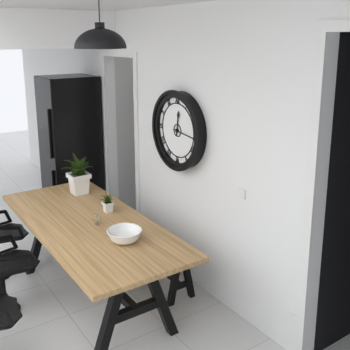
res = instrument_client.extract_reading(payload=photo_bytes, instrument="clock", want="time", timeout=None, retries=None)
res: 12:16
